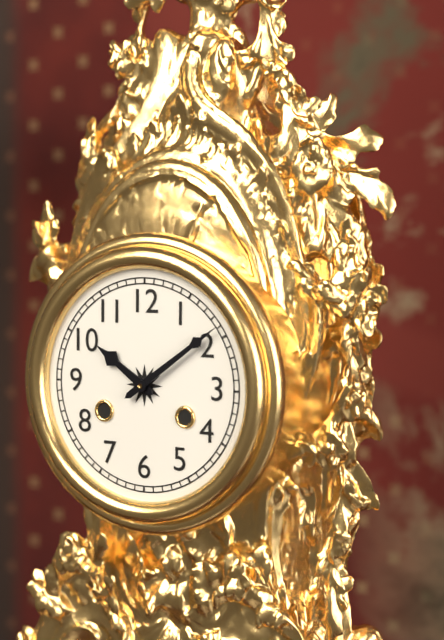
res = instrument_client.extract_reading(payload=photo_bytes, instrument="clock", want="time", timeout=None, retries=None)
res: 10:09
